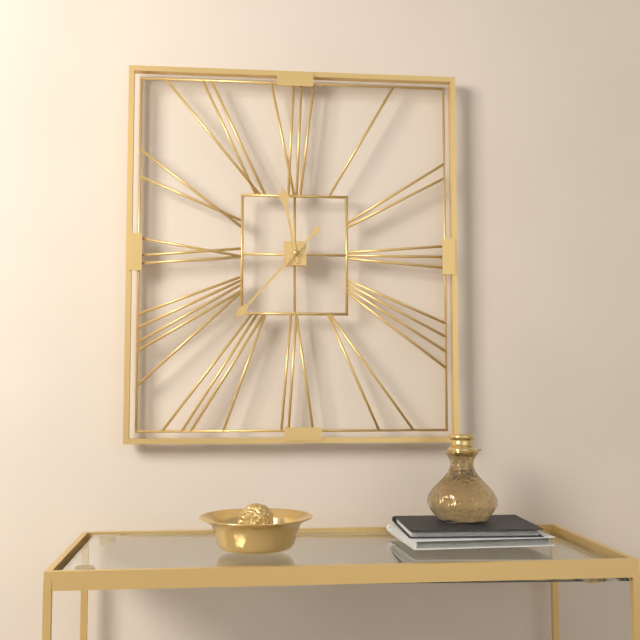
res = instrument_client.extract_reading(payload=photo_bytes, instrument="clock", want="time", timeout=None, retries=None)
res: 11:37
